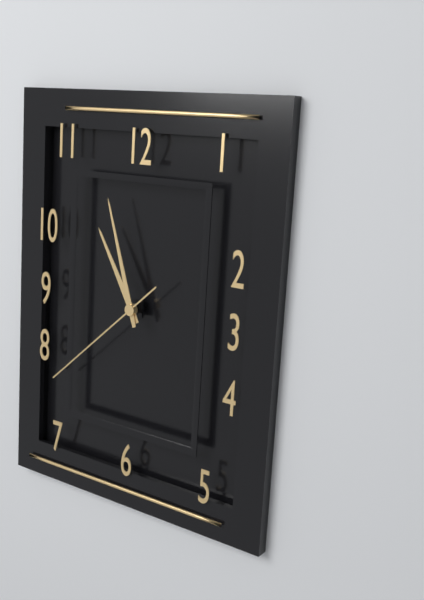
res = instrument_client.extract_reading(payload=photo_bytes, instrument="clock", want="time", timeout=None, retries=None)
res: 10:57:38
